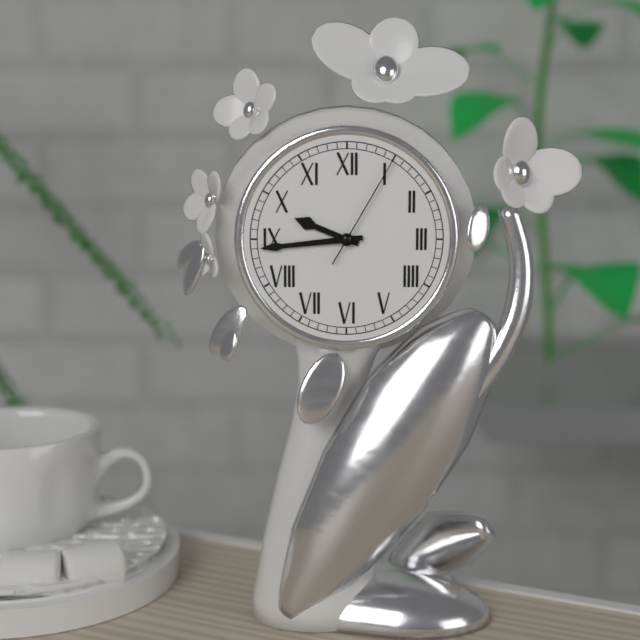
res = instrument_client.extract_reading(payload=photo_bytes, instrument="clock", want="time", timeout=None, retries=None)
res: 9:44:05
